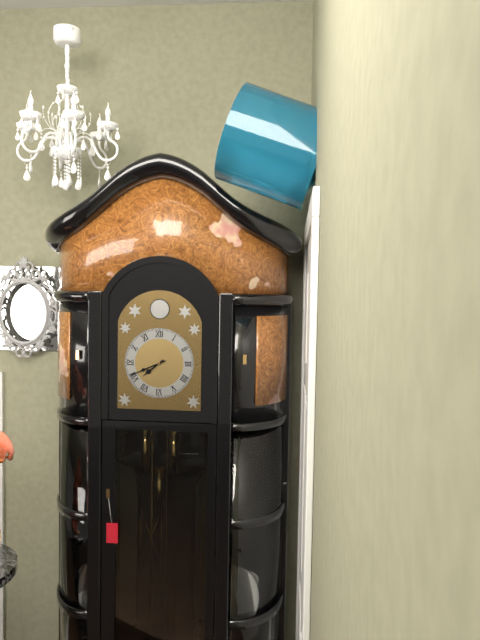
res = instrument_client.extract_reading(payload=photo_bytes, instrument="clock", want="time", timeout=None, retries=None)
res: 7:41
